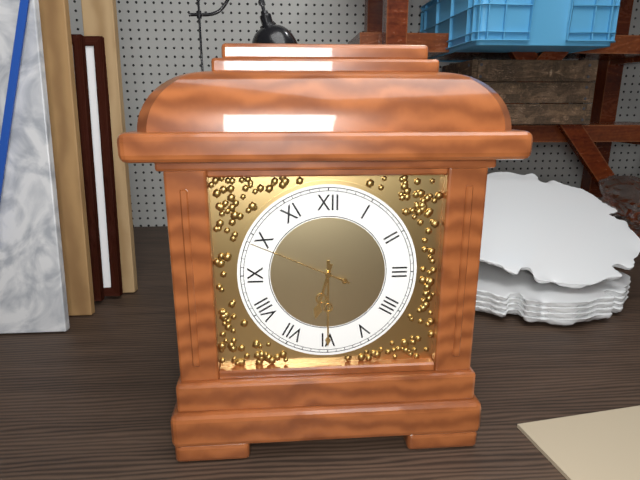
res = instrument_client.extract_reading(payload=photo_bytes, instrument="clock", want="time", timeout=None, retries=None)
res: 6:30:49
